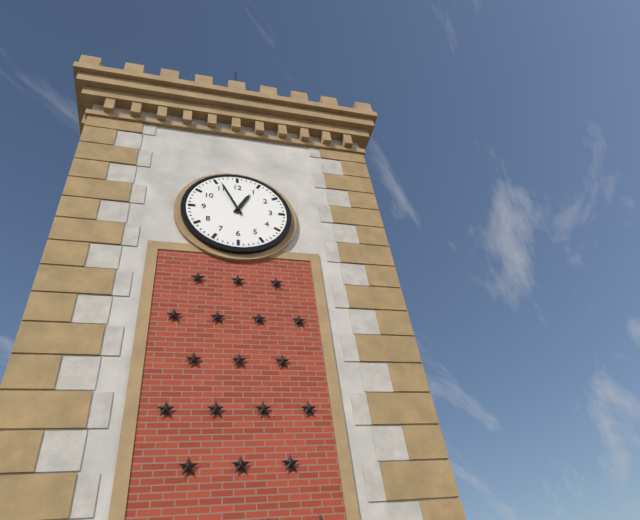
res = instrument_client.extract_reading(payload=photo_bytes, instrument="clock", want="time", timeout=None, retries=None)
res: 12:56
